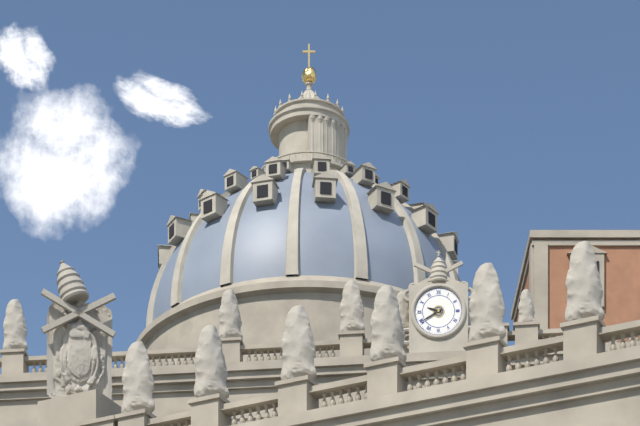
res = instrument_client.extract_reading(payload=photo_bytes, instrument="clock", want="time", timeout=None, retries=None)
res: 9:40
